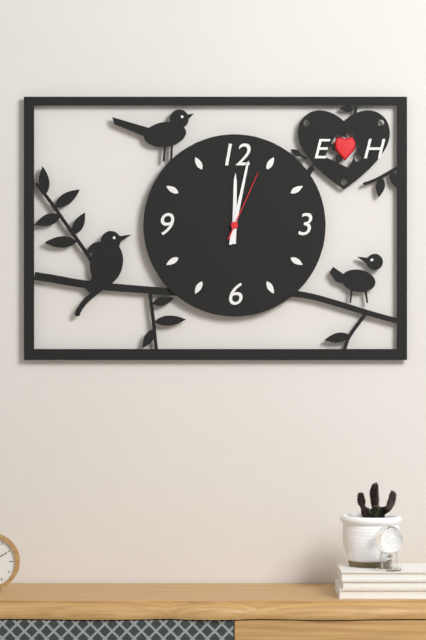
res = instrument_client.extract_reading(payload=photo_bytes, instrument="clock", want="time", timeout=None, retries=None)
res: 12:02:04
